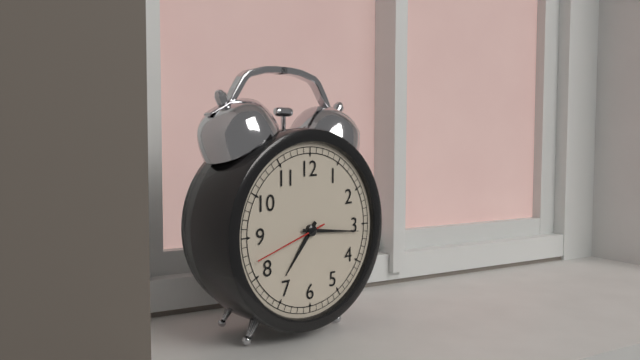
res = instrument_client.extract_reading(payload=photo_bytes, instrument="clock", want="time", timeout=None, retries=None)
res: 7:16:42
